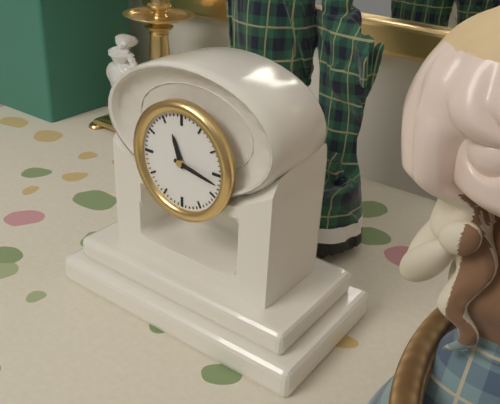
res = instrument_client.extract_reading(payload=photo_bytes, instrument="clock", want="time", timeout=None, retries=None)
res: 11:17
